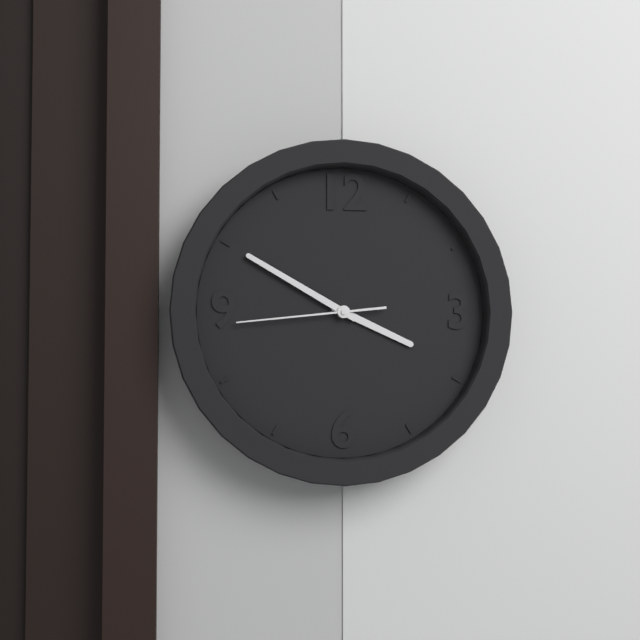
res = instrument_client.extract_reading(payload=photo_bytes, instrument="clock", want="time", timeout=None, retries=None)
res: 3:50:44
